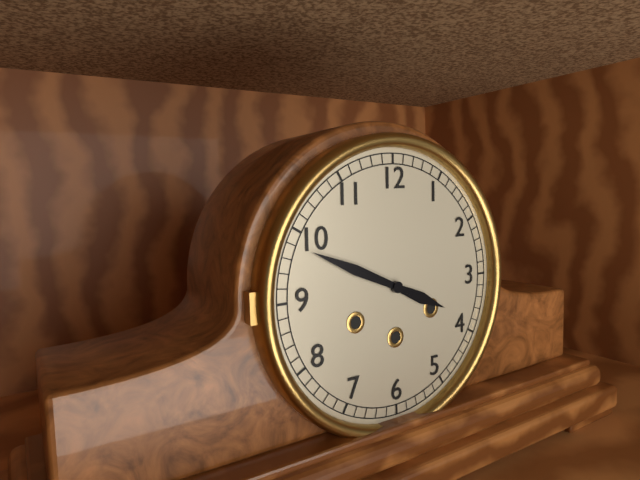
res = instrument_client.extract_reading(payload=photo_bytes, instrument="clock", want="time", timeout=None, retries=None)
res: 3:49
